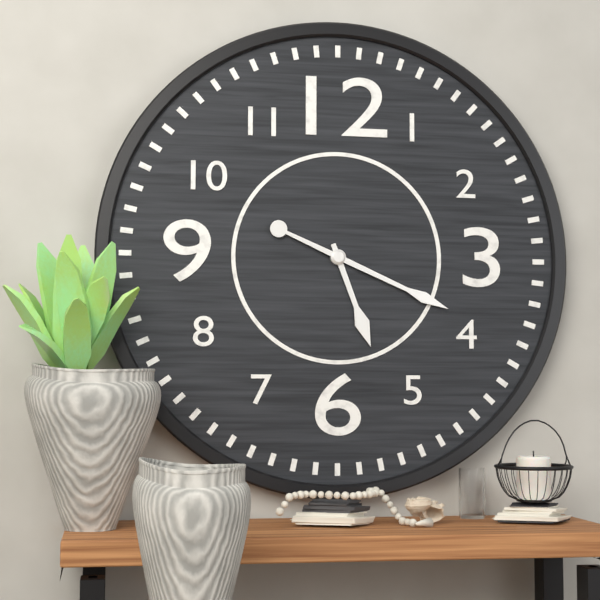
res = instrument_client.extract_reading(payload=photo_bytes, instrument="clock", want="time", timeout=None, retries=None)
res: 5:19
